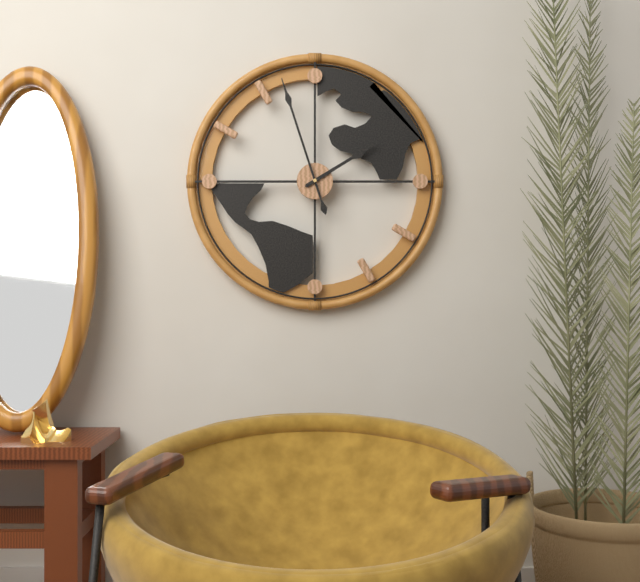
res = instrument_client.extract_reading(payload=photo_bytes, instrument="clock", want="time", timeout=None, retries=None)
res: 1:57
